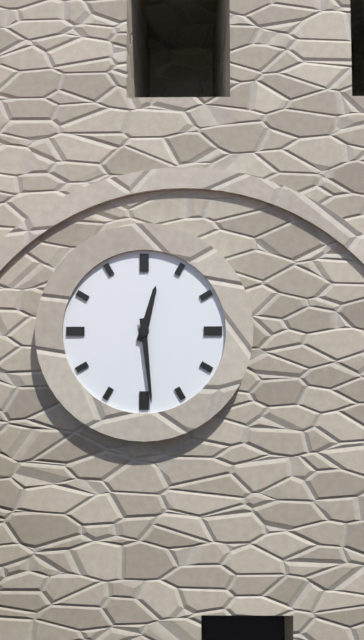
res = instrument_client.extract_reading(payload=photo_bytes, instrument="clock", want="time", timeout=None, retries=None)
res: 12:29
